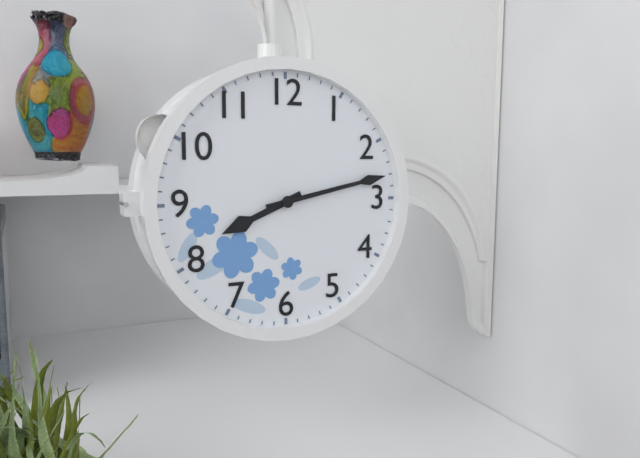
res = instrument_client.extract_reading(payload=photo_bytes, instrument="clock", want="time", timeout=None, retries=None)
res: 8:13
